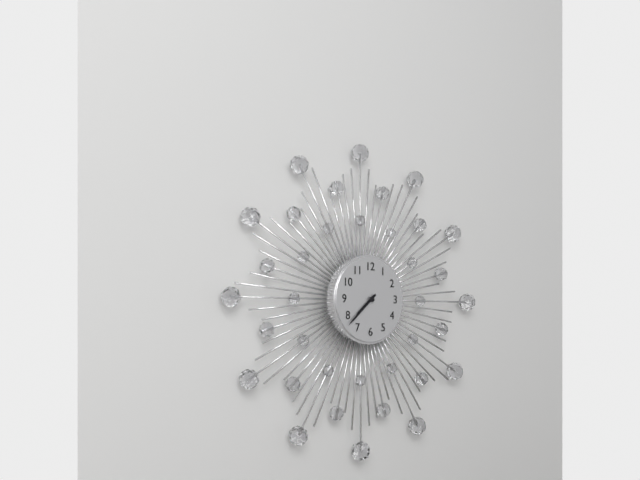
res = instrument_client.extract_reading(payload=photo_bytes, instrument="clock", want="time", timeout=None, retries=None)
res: 7:38
